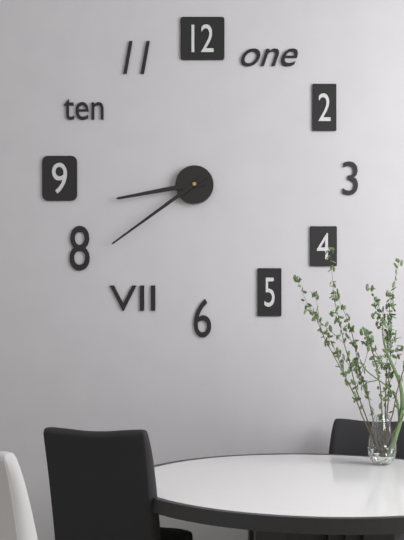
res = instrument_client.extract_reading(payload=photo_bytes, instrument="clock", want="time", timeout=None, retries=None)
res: 8:39
